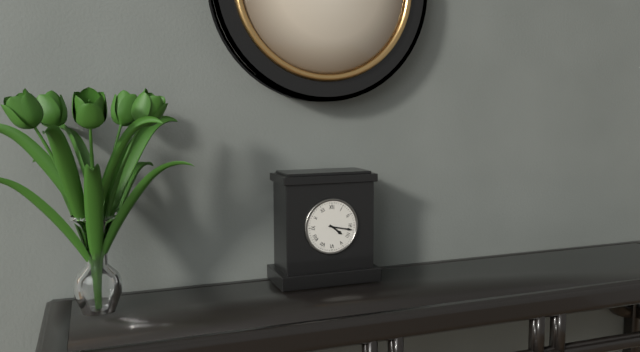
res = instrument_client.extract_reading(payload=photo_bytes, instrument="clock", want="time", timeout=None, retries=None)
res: 4:17
